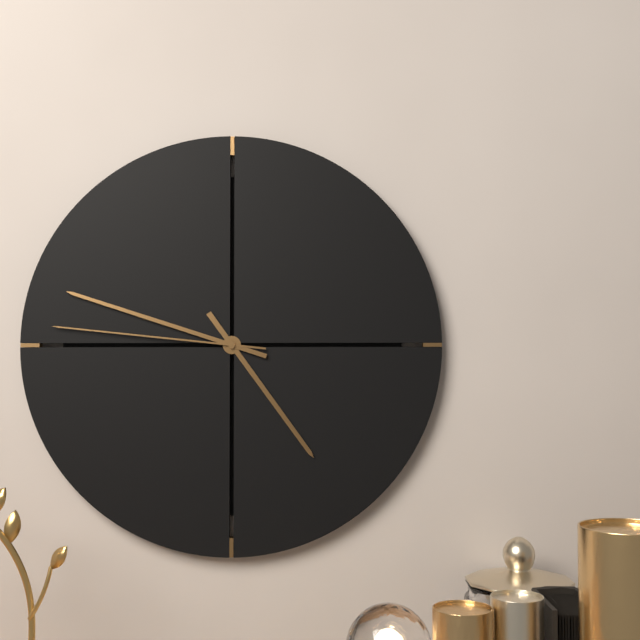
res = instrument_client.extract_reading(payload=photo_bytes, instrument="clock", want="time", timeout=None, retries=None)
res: 4:48:46
